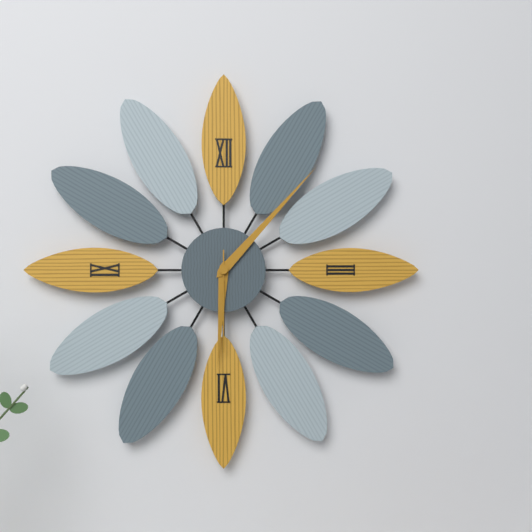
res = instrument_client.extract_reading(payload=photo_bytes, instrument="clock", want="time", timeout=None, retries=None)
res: 6:07:30
